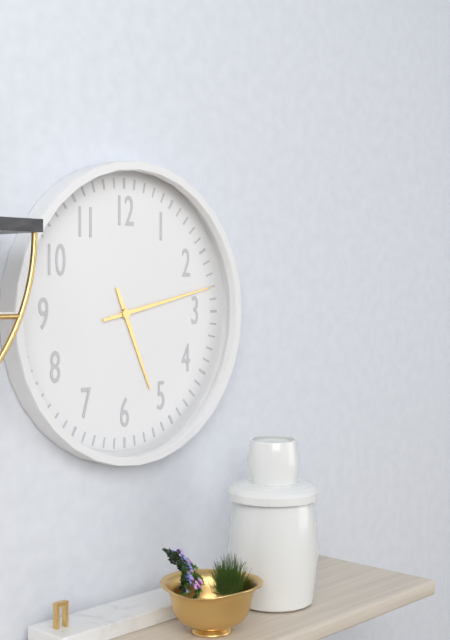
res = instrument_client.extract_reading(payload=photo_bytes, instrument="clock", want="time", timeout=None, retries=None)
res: 5:13
